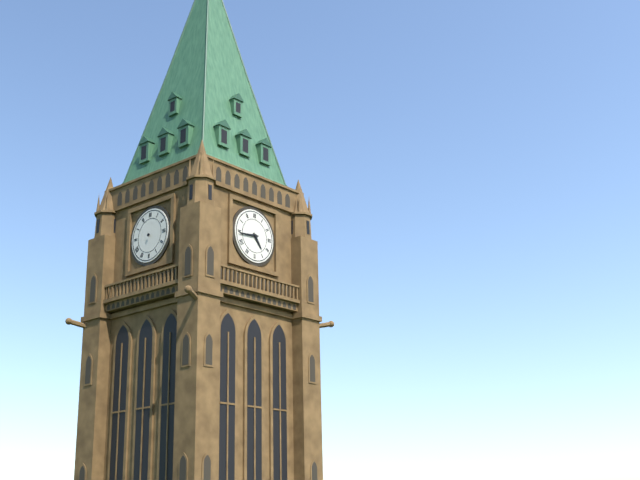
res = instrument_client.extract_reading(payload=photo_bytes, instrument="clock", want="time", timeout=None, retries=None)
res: 4:44
